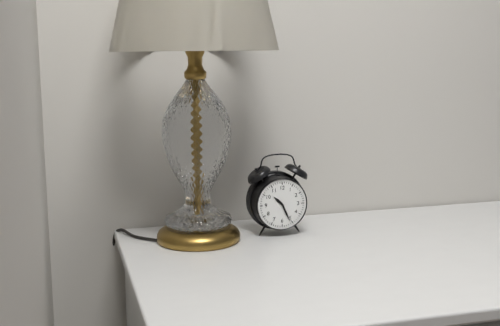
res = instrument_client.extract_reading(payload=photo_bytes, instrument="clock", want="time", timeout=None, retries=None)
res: 10:26
